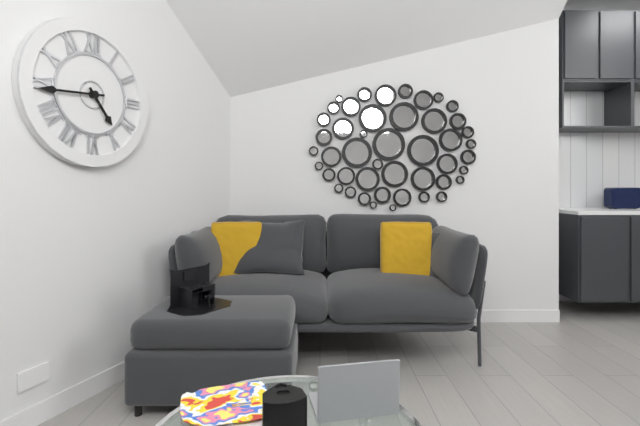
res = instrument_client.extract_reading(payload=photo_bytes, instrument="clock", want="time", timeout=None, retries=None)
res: 4:44
